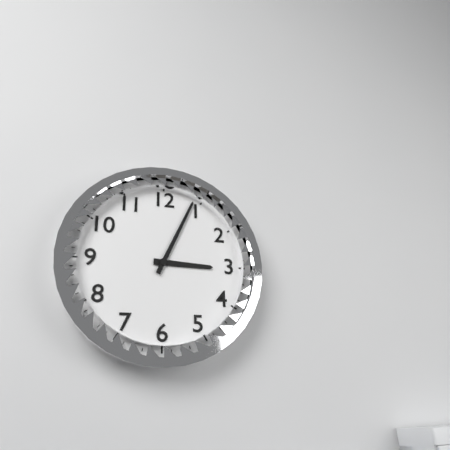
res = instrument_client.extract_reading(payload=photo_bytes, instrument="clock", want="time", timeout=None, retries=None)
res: 3:04
